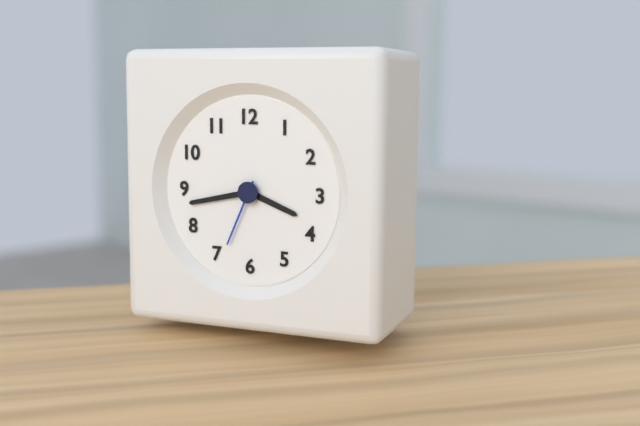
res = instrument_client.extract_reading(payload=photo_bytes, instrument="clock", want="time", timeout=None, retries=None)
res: 3:43:34
